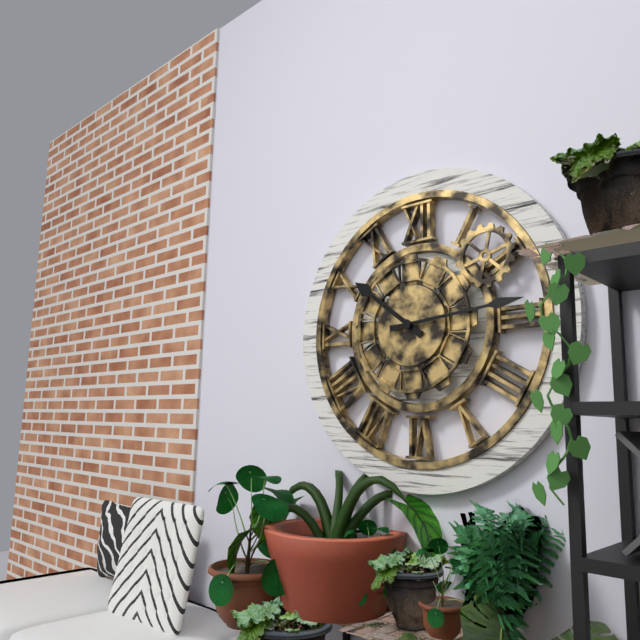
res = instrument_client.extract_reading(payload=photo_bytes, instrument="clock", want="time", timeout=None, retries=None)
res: 10:14
